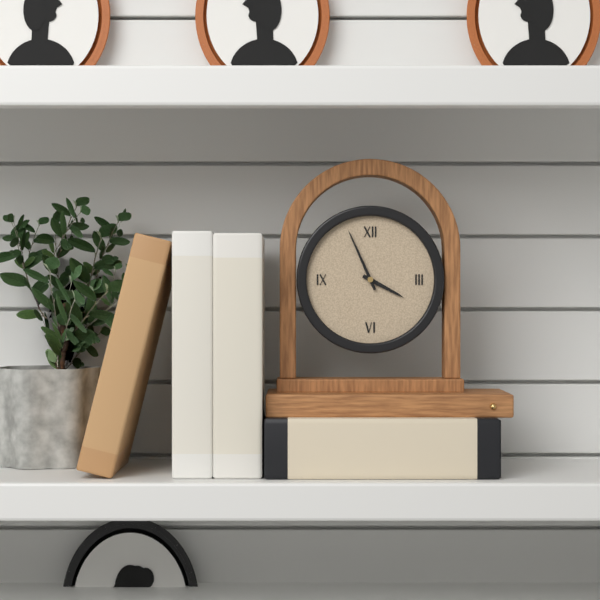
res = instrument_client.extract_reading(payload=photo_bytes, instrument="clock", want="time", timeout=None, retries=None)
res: 3:56
